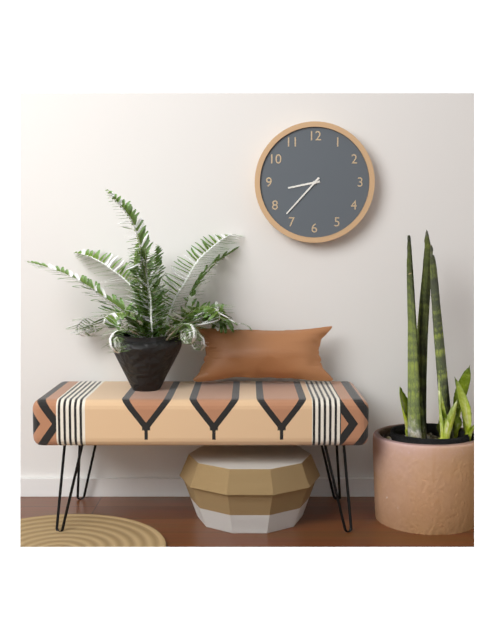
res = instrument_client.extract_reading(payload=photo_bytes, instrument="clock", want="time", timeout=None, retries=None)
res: 8:37
